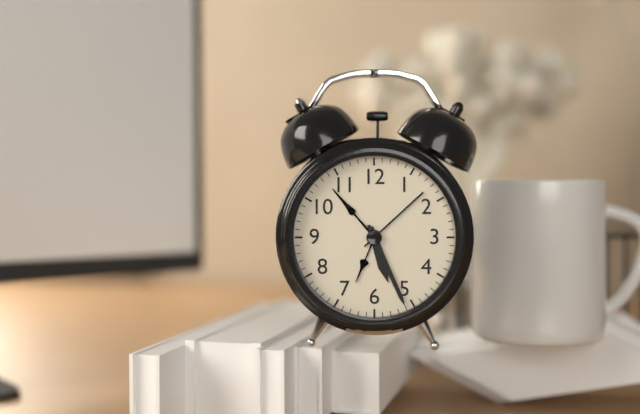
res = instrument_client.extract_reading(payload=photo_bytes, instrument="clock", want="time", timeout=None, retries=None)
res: 5:26
